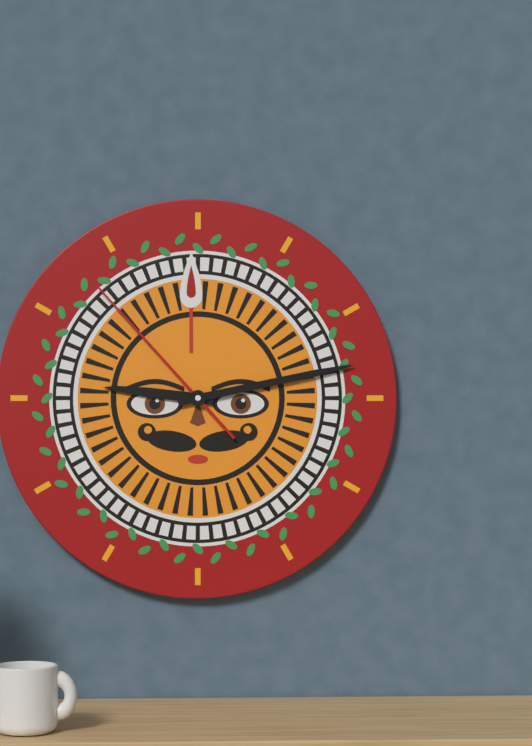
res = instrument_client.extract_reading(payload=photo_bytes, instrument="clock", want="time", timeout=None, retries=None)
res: 9:13:53
